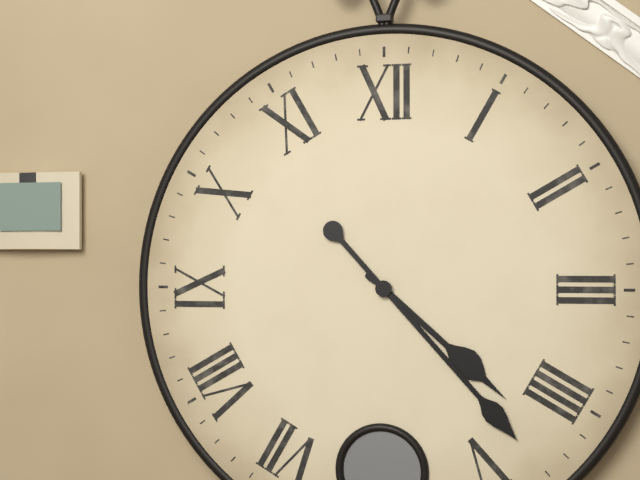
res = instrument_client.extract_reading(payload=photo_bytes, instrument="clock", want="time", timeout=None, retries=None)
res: 4:23
